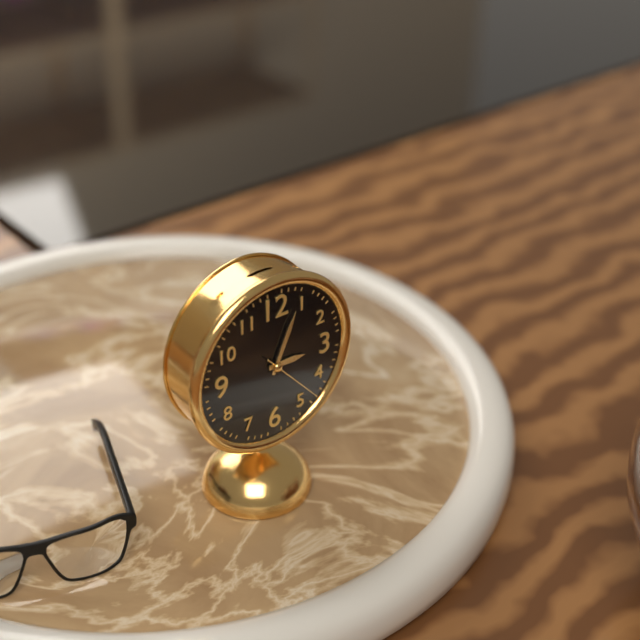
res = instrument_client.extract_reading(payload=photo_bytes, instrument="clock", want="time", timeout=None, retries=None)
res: 3:04:23
